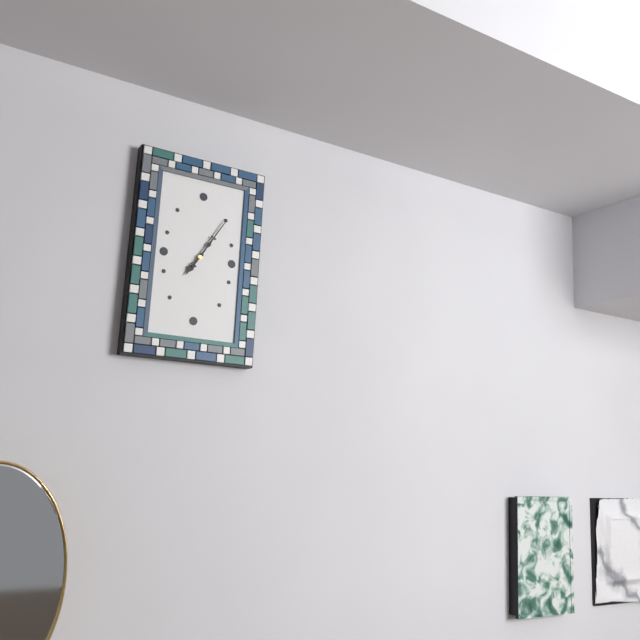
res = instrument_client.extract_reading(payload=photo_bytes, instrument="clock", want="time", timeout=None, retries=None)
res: 7:05
